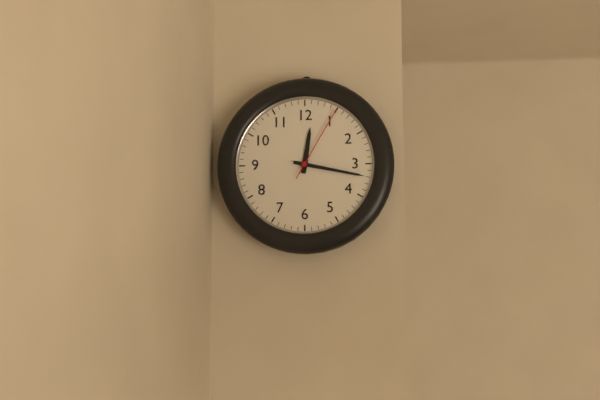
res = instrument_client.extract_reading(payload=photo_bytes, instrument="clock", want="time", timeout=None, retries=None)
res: 12:17:05
